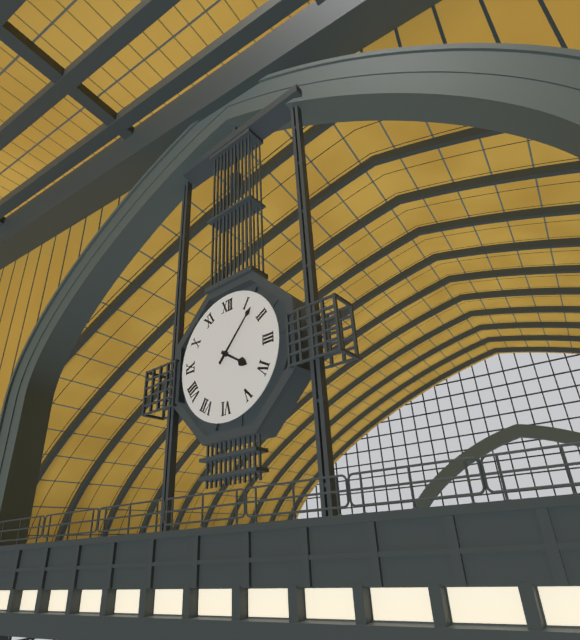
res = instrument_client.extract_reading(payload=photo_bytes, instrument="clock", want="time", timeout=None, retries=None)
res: 4:07
